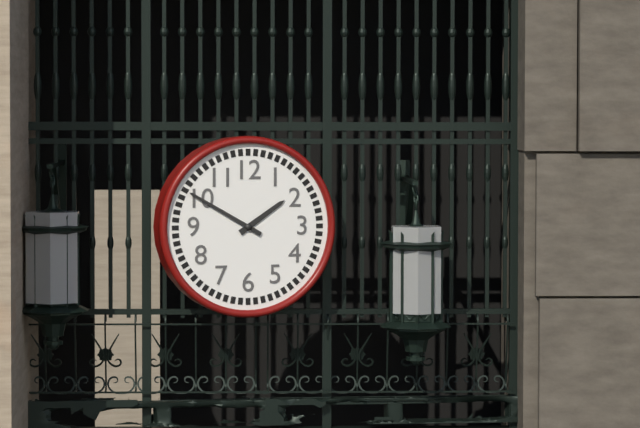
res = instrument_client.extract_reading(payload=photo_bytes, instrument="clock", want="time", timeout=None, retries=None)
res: 1:50
